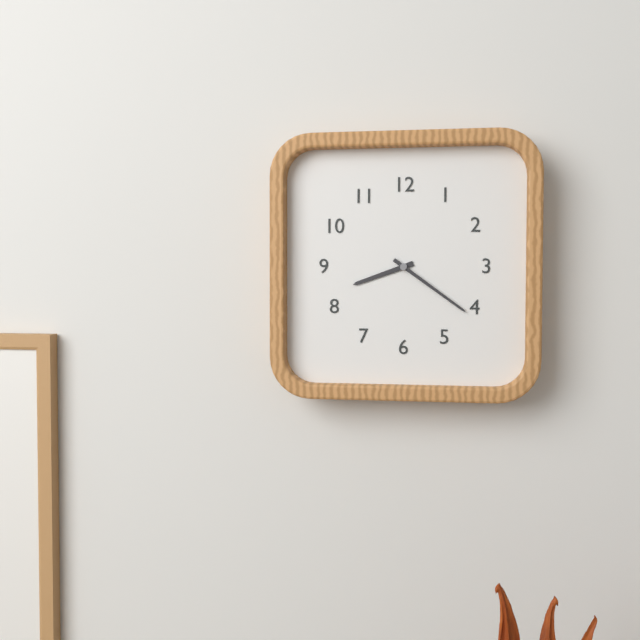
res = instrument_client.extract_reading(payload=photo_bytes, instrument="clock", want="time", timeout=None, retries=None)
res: 8:21
